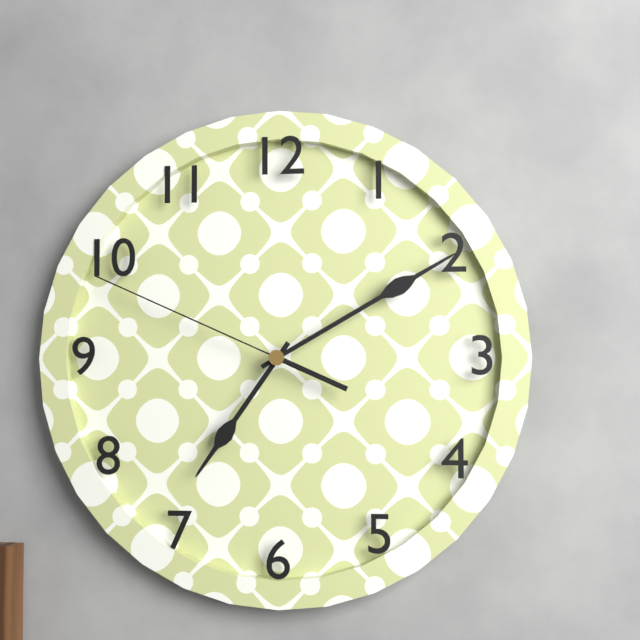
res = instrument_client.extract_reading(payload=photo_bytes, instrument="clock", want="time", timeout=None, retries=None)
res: 7:10:49
